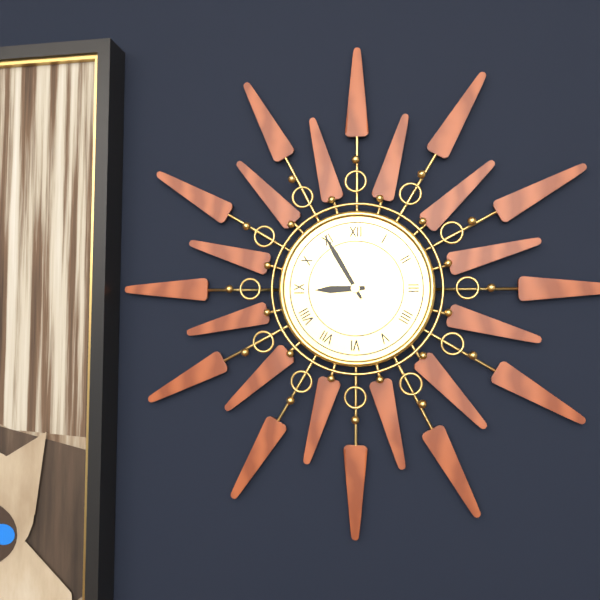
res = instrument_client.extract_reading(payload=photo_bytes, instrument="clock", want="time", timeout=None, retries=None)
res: 8:55
